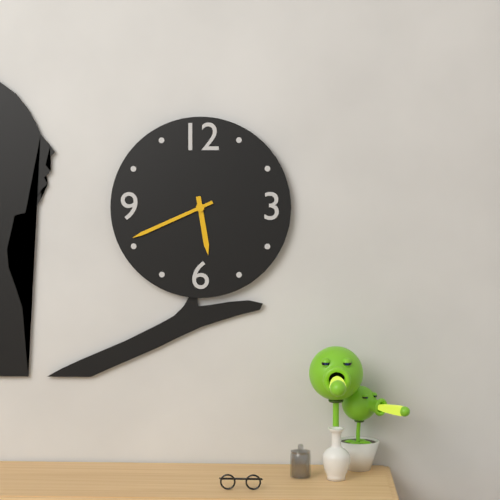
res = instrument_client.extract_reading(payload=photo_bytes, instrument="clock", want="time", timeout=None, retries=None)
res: 5:41
